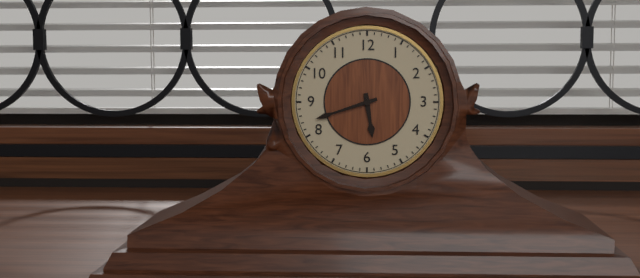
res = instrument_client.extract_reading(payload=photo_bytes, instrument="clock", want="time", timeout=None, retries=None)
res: 5:42
